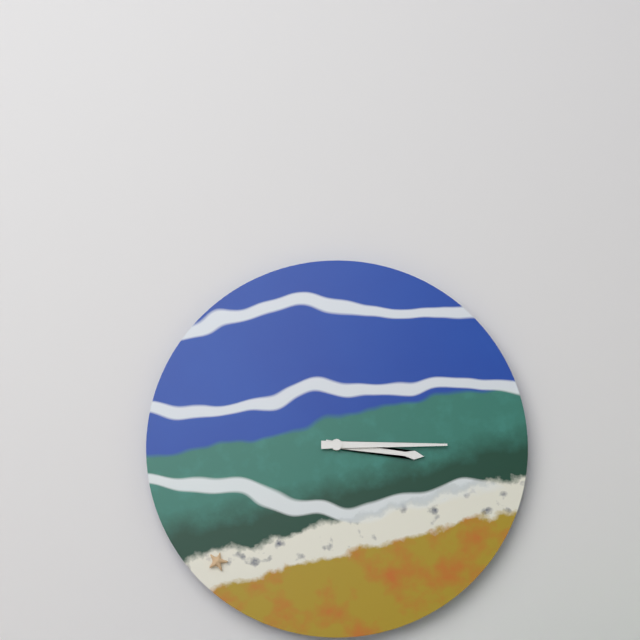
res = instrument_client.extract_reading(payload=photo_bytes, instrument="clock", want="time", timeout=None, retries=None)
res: 3:15
